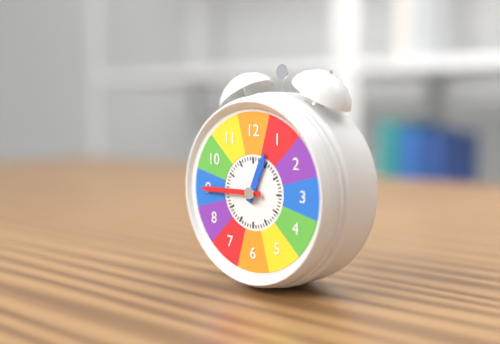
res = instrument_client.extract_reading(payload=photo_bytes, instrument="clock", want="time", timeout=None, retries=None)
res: 12:45
